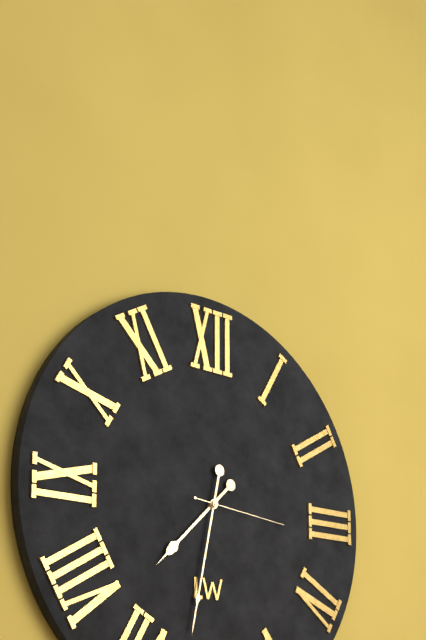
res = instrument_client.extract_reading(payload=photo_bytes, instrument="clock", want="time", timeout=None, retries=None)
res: 7:32:16
